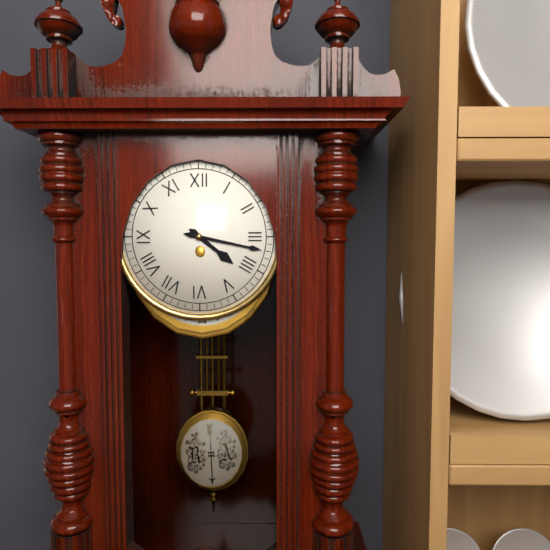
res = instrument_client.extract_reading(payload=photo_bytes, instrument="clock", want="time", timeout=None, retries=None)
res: 4:17
